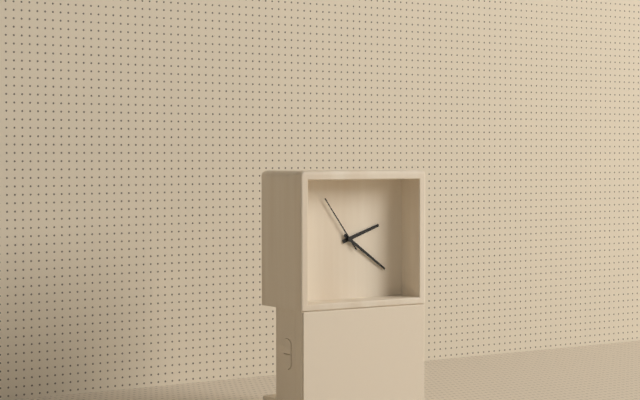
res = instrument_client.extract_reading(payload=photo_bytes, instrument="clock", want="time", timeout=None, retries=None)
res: 2:21:54
